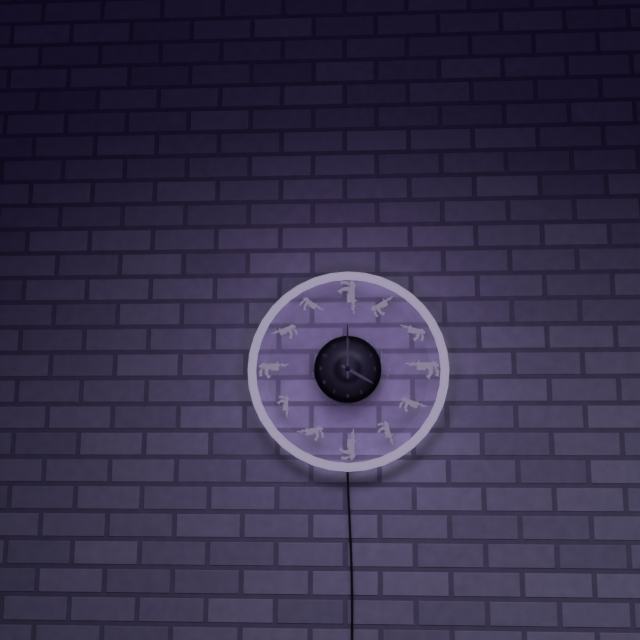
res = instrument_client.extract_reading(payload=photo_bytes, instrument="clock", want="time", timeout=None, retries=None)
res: 4:00
